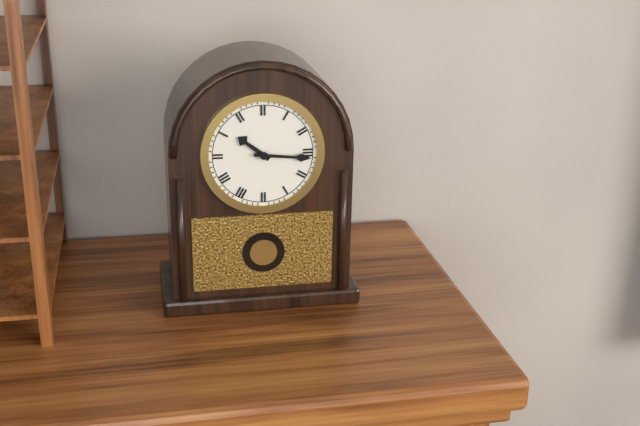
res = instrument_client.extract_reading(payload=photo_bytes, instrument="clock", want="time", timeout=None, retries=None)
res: 10:16
